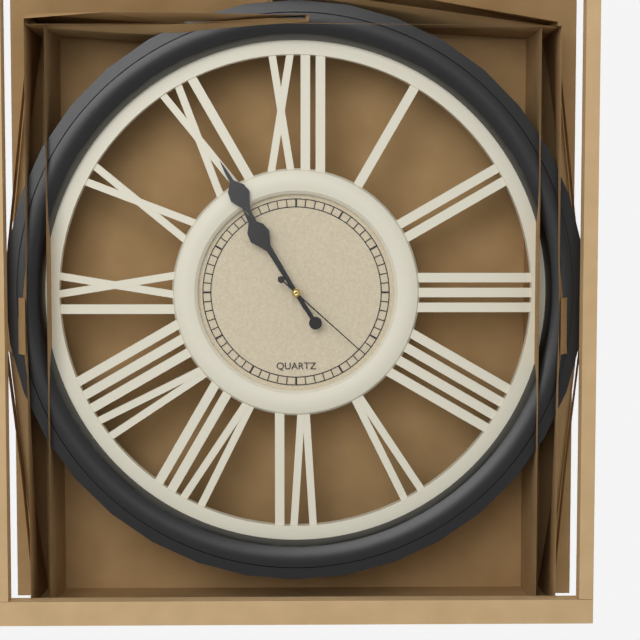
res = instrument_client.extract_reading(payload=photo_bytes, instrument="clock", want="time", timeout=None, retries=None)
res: 10:55:22
